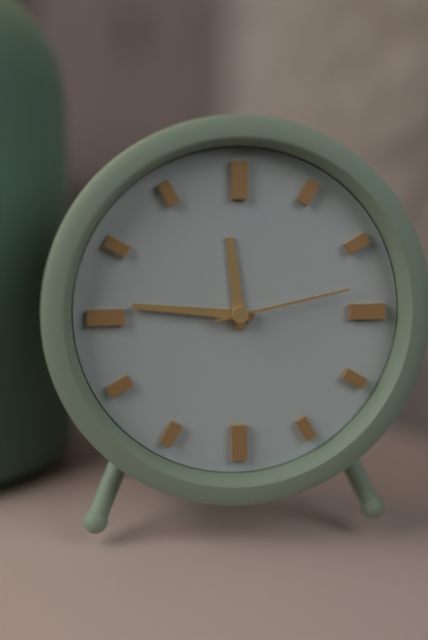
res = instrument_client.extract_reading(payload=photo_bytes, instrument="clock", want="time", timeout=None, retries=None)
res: 11:46:13
